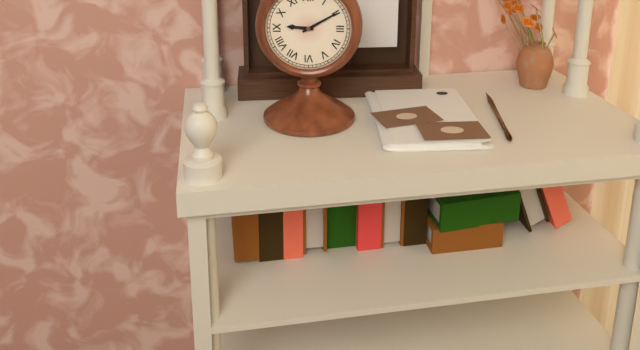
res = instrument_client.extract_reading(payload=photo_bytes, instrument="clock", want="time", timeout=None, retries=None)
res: 9:10
